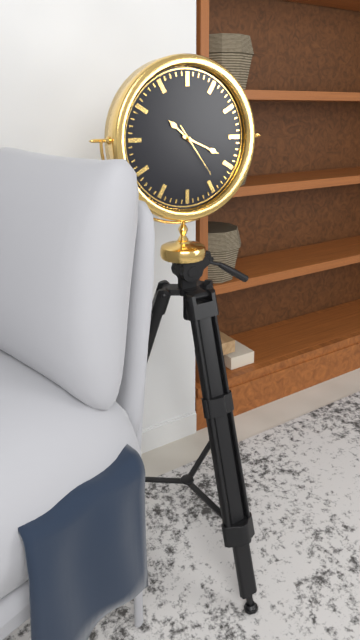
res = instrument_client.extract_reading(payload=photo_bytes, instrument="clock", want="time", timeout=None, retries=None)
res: 10:19:24
